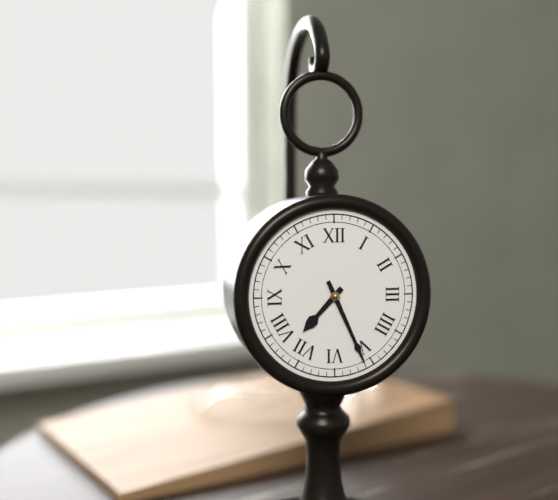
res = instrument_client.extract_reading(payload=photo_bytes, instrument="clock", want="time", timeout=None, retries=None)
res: 7:26
